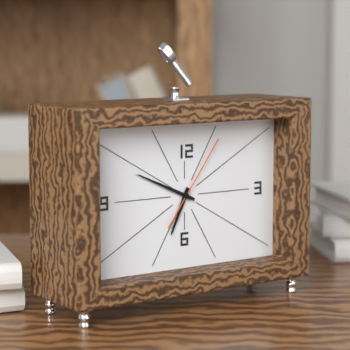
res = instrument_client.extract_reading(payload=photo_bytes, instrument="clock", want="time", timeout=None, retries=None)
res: 6:49:06
